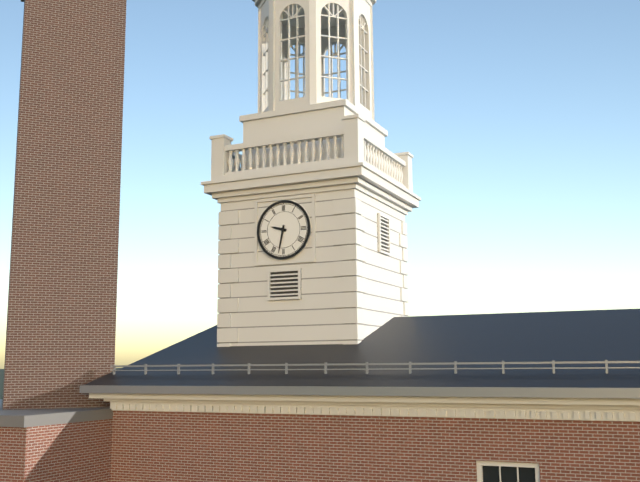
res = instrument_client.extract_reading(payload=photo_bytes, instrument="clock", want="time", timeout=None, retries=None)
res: 9:32
